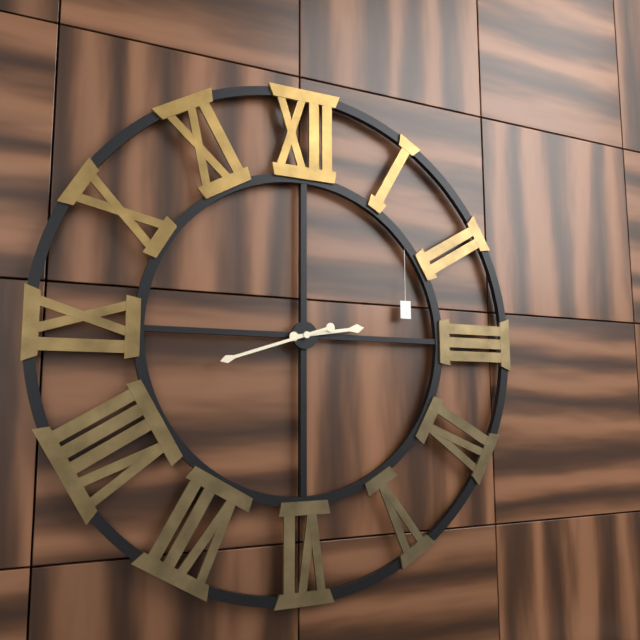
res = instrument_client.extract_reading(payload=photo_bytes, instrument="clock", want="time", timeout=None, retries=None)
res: 2:42
